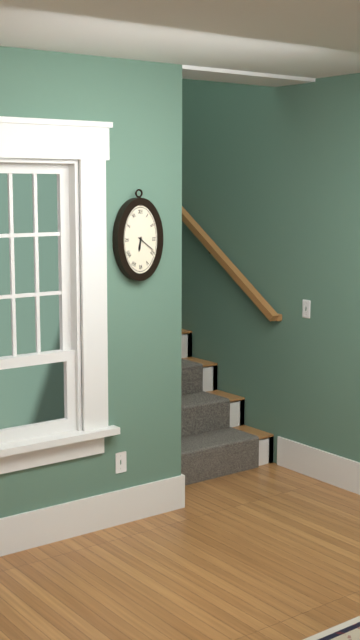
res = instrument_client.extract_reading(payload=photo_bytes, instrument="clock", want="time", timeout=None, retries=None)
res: 6:21
